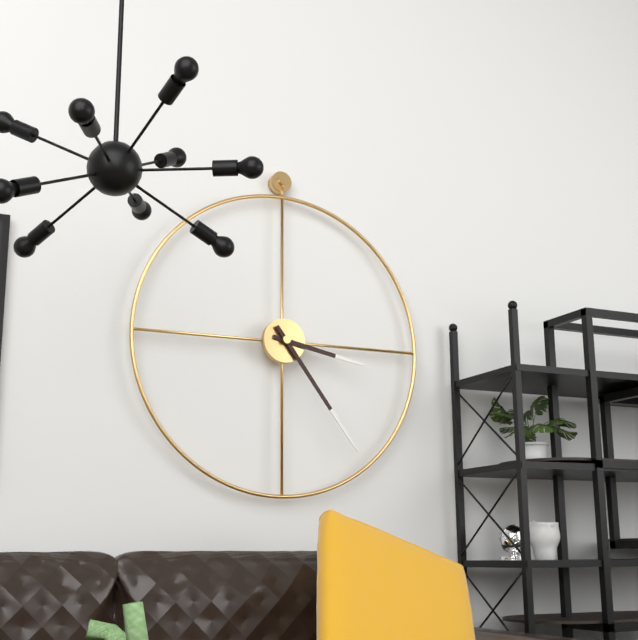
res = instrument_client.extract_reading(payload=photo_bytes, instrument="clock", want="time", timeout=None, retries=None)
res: 3:24
